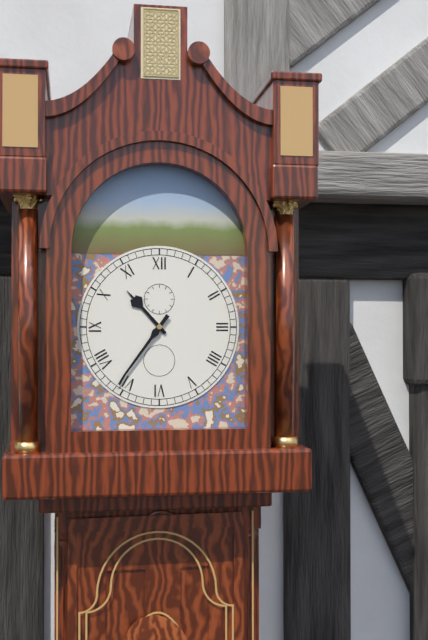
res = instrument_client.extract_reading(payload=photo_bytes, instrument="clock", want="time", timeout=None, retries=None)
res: 10:36
